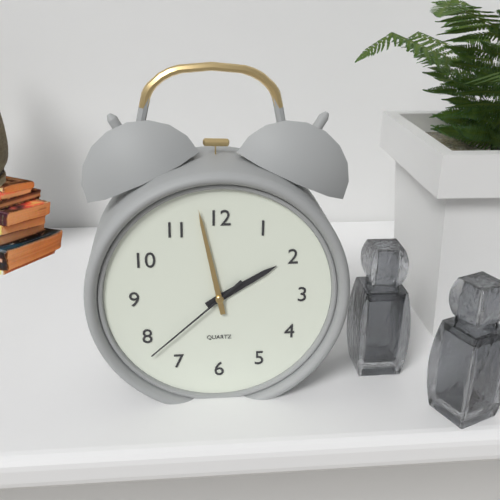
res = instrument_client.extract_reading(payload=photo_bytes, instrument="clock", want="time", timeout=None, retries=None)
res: 1:58:38
